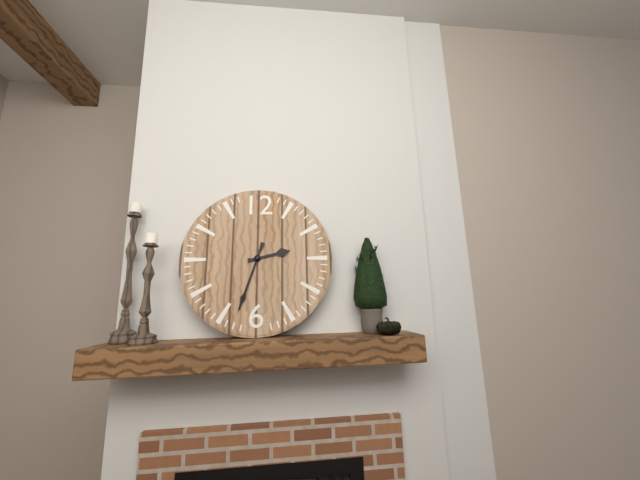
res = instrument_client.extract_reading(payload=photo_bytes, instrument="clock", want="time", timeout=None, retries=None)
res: 2:33
